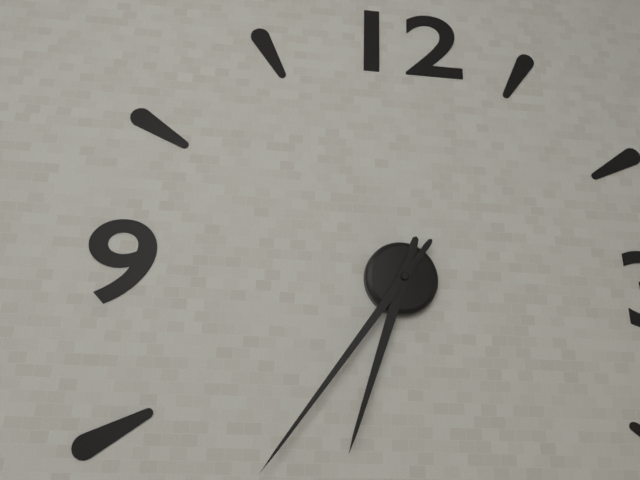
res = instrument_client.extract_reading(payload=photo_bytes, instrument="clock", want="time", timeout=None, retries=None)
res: 6:36
